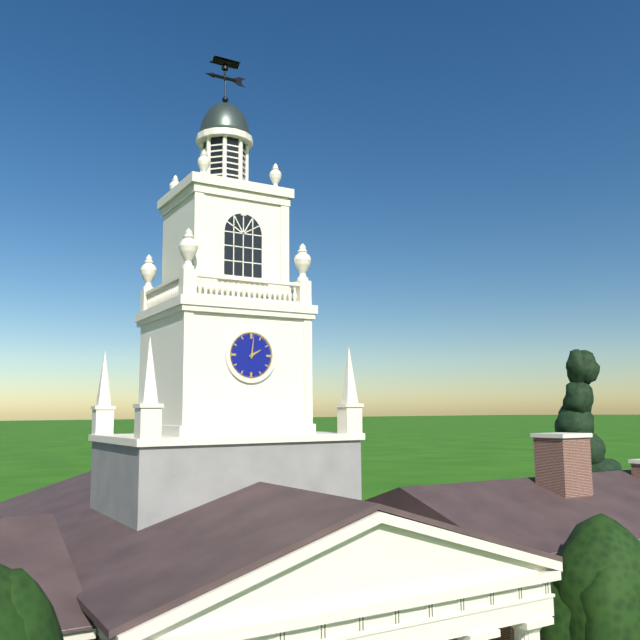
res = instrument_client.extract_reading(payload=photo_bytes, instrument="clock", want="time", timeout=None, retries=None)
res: 2:01
